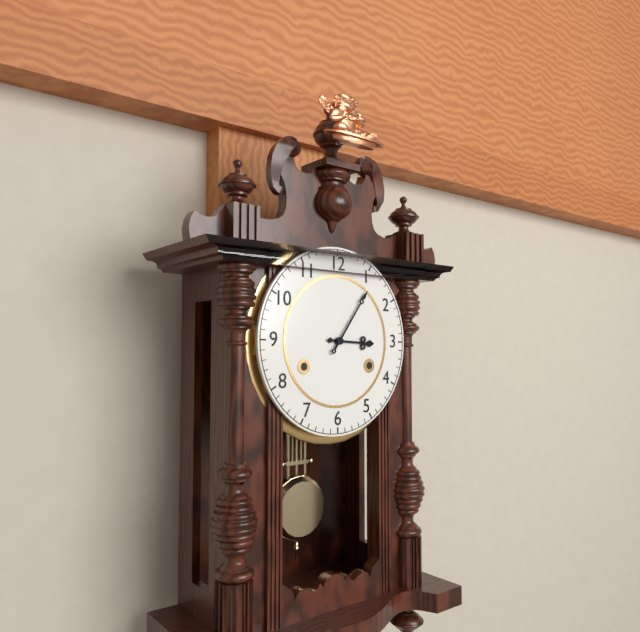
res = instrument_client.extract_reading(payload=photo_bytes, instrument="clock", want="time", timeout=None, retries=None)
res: 3:06
